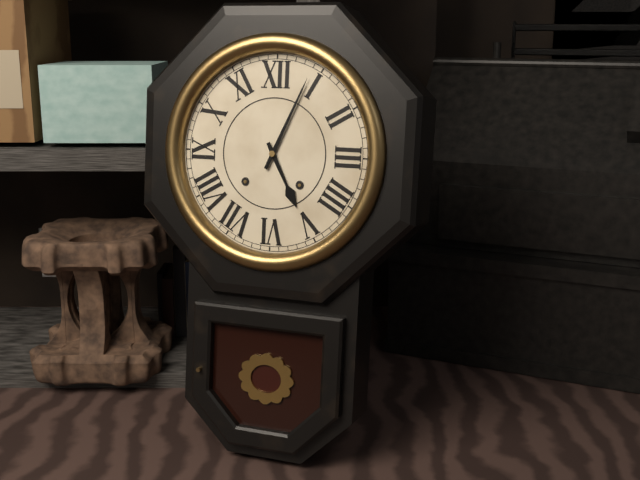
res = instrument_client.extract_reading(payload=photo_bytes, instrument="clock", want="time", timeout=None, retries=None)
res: 5:04
